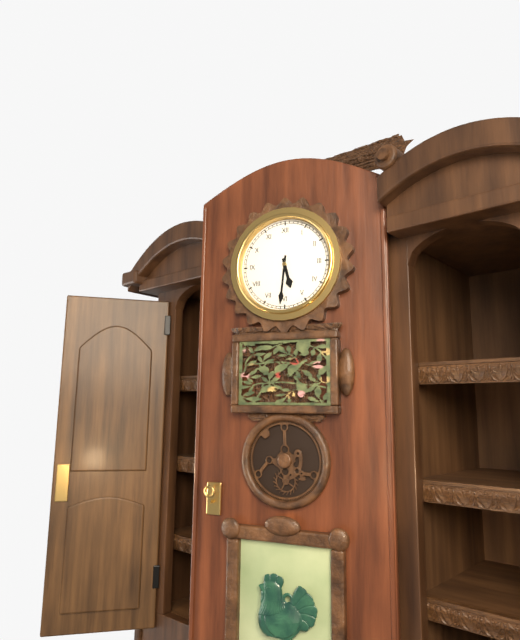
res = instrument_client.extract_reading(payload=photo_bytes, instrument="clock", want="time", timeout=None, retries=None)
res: 5:31
